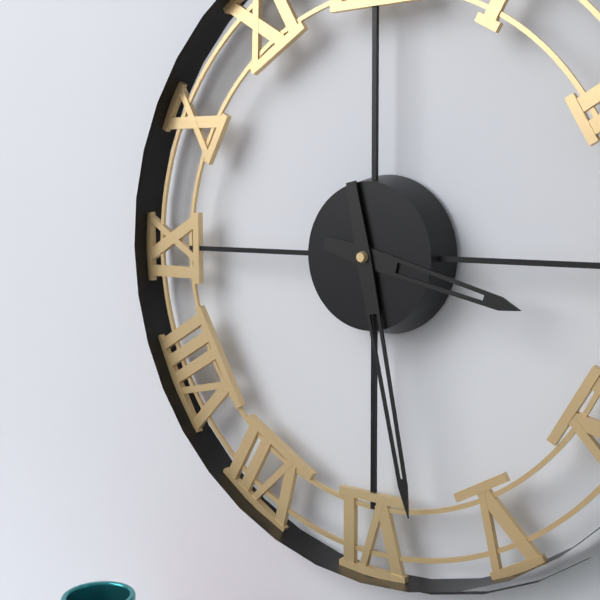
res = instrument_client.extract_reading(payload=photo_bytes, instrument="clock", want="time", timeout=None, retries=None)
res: 3:28
